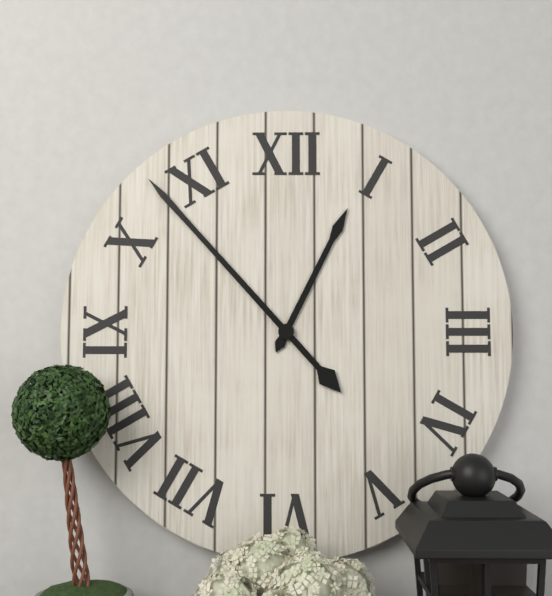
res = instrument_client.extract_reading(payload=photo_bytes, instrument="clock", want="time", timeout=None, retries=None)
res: 12:53
